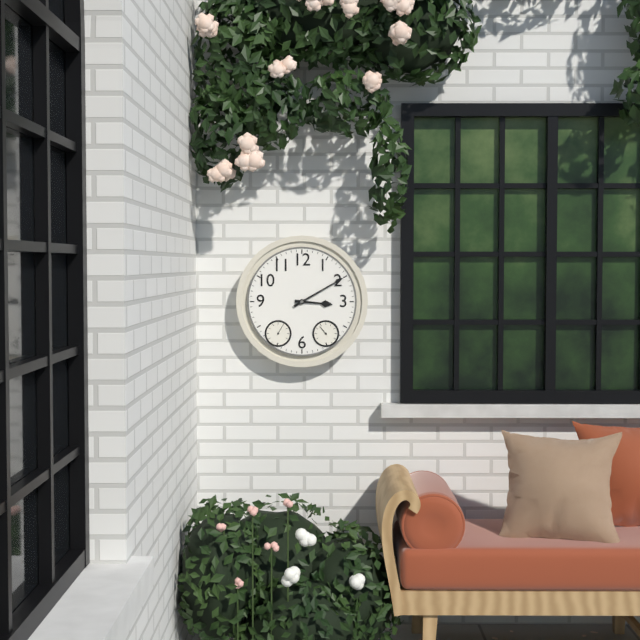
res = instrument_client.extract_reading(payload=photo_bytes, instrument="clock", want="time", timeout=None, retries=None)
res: 3:10
